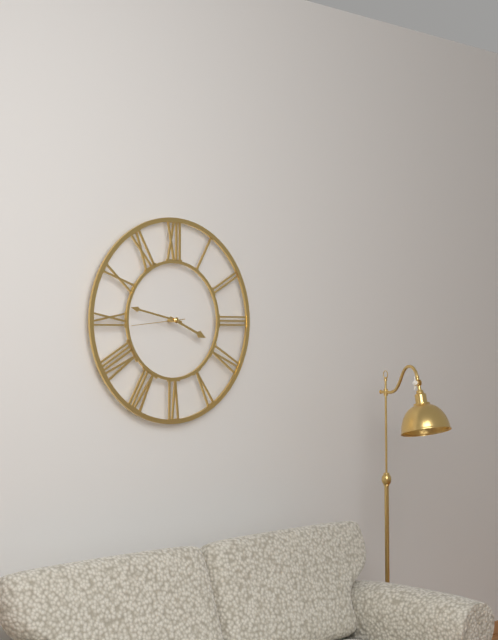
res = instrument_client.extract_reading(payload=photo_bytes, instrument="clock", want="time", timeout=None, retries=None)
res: 3:47:44
